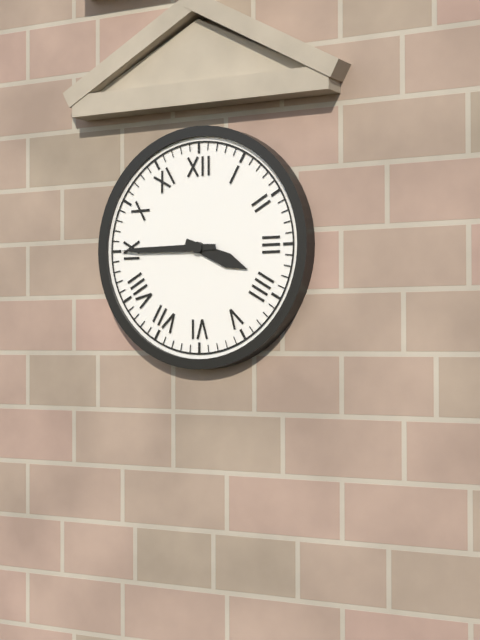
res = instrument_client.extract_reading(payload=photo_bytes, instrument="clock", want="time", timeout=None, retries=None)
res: 3:45
